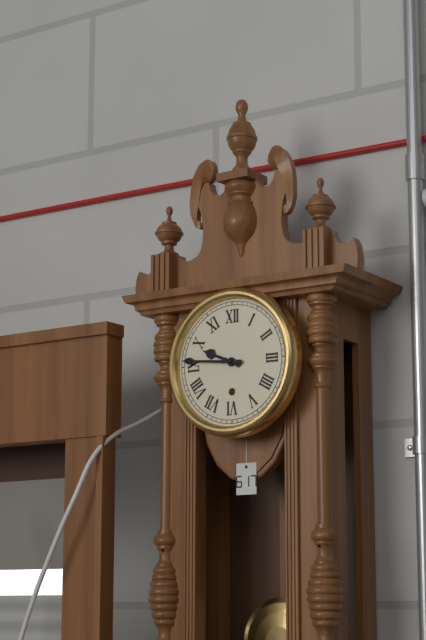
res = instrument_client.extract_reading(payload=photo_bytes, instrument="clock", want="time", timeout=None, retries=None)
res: 9:46
